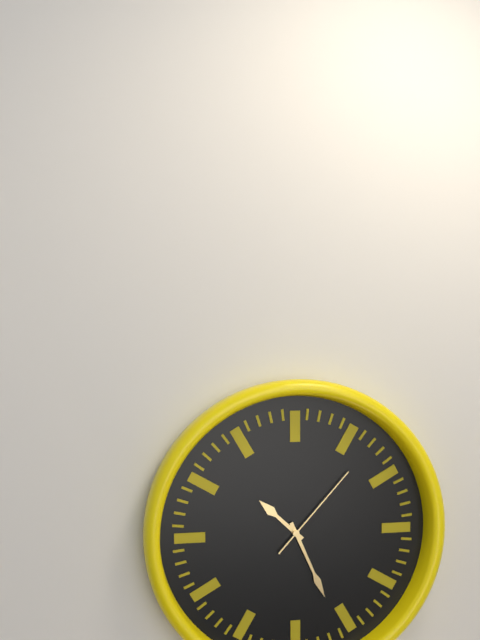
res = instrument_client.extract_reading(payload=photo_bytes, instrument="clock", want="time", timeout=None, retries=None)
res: 10:26:07
